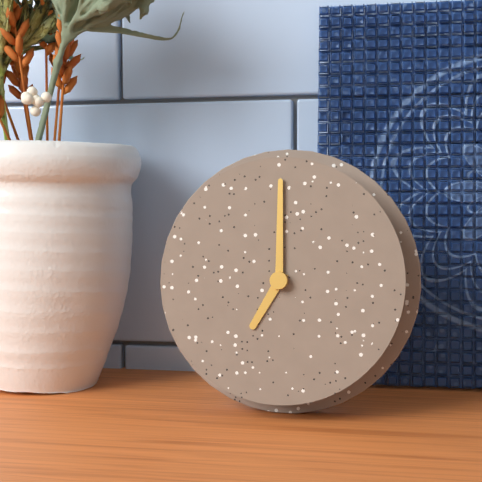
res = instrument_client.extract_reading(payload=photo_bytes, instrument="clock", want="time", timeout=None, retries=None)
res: 7:00
